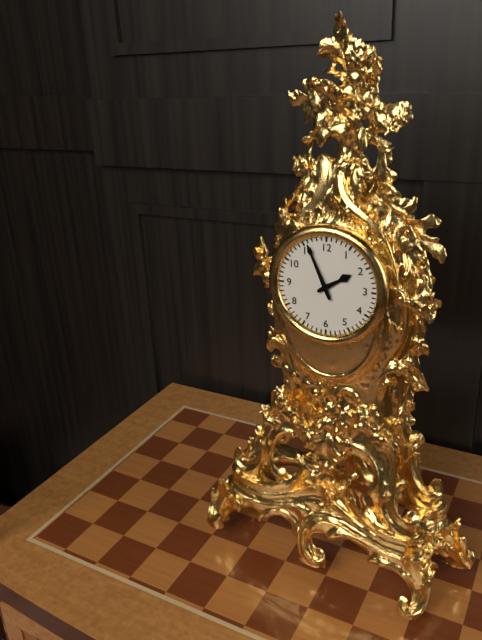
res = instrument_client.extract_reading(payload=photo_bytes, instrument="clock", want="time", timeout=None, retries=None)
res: 1:56
